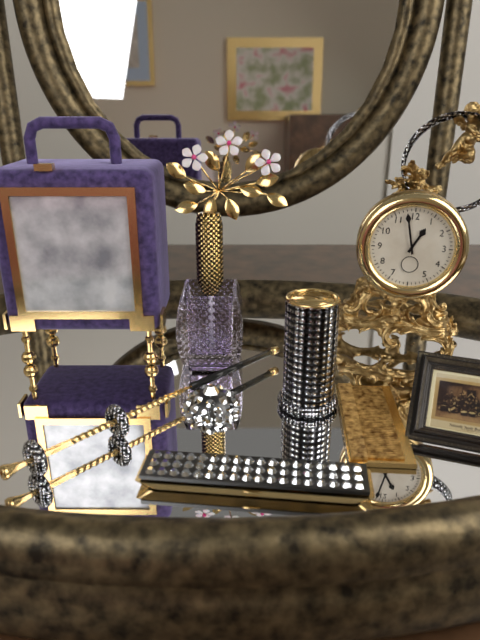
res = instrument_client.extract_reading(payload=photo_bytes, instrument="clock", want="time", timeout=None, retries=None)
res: 12:58
